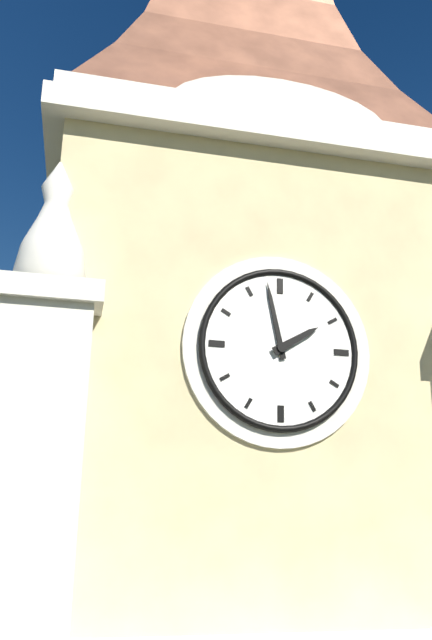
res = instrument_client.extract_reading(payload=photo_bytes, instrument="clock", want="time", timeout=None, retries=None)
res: 1:58
